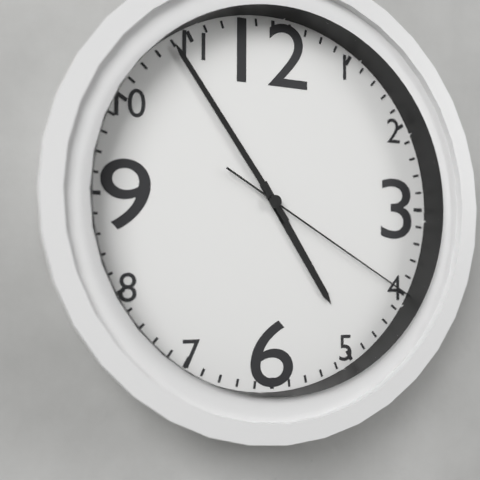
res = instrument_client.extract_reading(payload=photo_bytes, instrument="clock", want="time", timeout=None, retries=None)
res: 4:54:20
